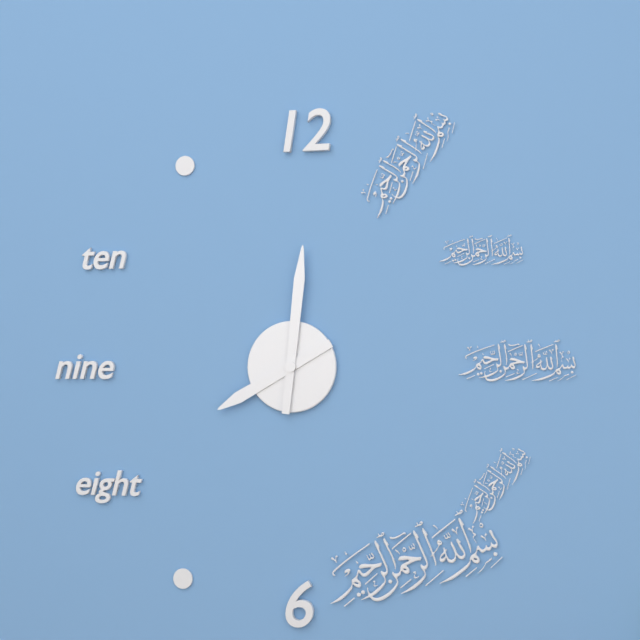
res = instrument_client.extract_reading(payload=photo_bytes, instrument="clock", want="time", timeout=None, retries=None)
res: 8:01
